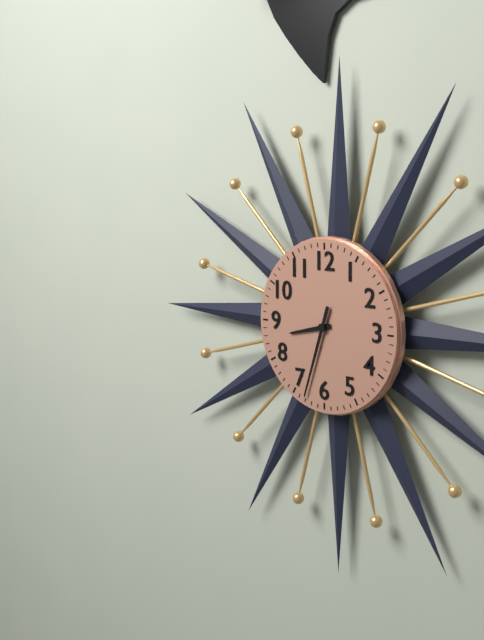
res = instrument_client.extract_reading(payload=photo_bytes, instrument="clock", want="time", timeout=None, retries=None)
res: 8:33
